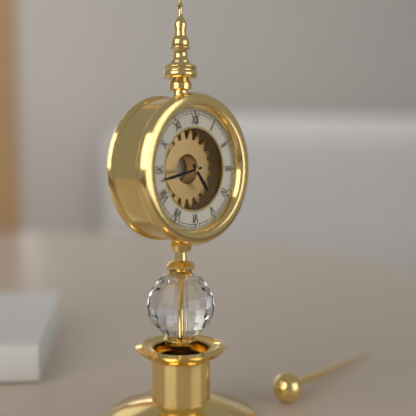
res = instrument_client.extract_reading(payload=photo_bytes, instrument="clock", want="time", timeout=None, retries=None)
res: 4:43
